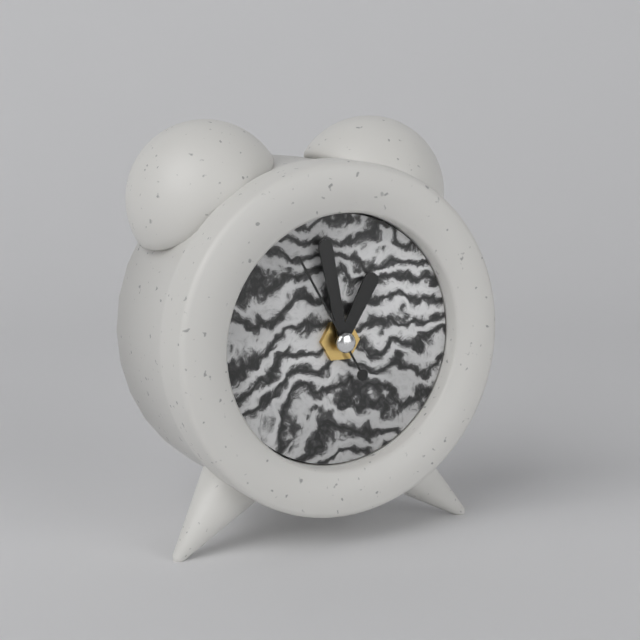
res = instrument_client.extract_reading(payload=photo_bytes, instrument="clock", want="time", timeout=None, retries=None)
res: 12:58:55
